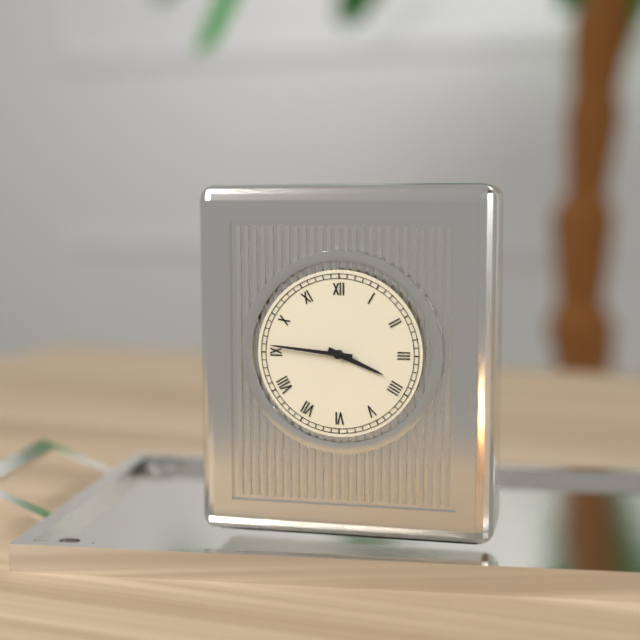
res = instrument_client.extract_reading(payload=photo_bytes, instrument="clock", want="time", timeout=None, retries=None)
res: 3:46
